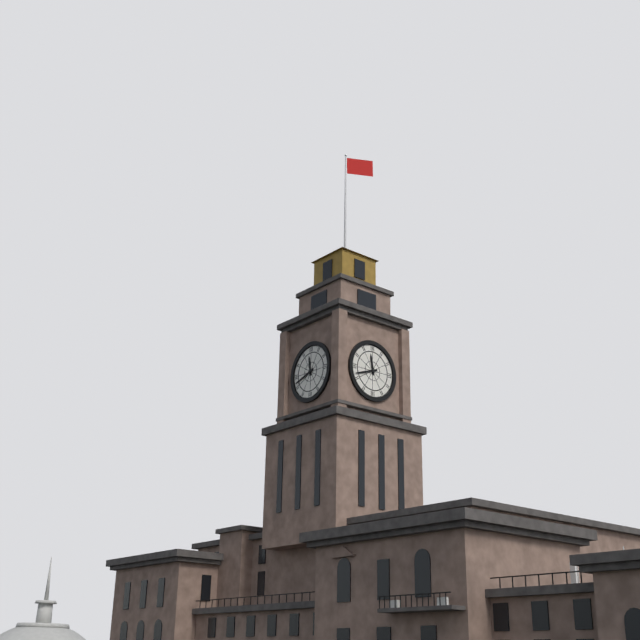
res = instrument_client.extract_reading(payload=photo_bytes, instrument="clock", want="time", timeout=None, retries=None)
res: 11:42
